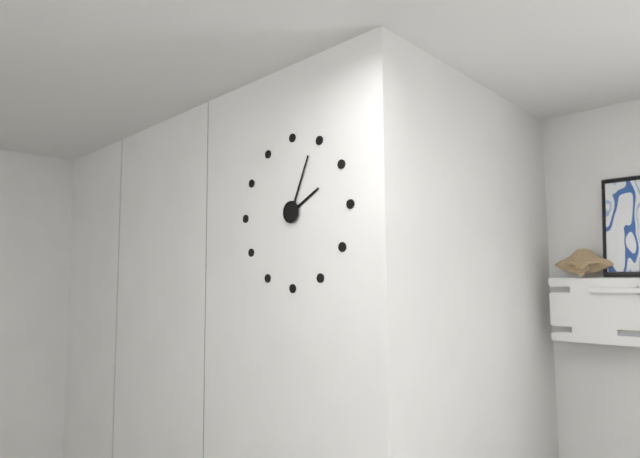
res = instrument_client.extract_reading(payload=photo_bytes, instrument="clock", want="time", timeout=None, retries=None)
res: 2:04
